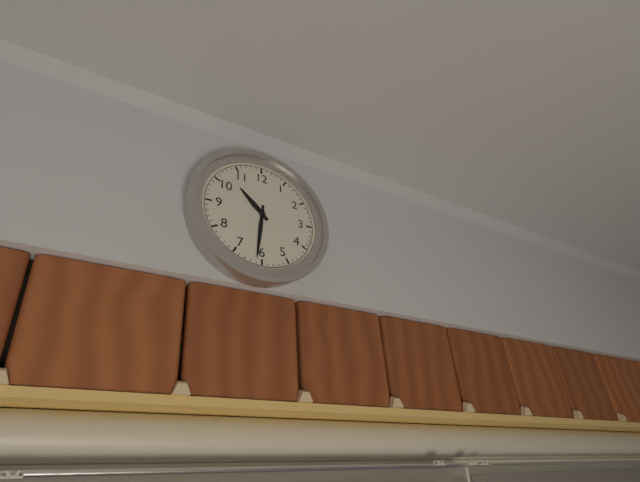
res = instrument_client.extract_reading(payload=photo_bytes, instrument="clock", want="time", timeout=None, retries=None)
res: 10:31
